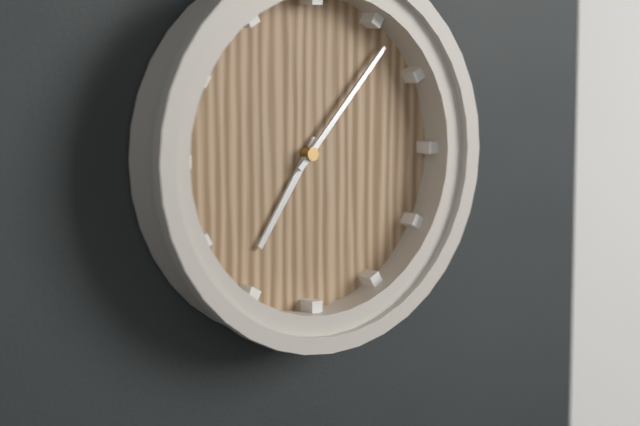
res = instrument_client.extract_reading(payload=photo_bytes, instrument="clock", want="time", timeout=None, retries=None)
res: 7:07
